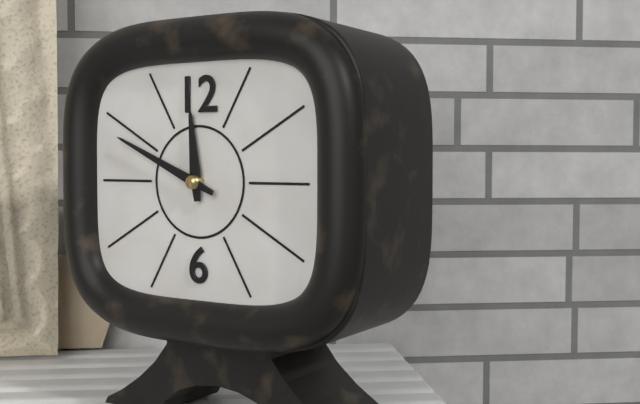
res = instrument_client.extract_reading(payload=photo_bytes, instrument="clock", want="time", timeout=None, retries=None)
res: 11:49
